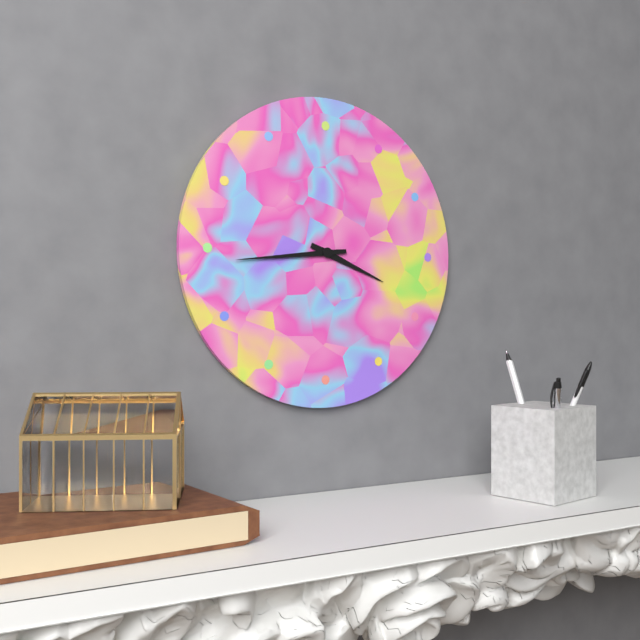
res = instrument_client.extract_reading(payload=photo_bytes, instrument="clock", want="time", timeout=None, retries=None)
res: 3:44
